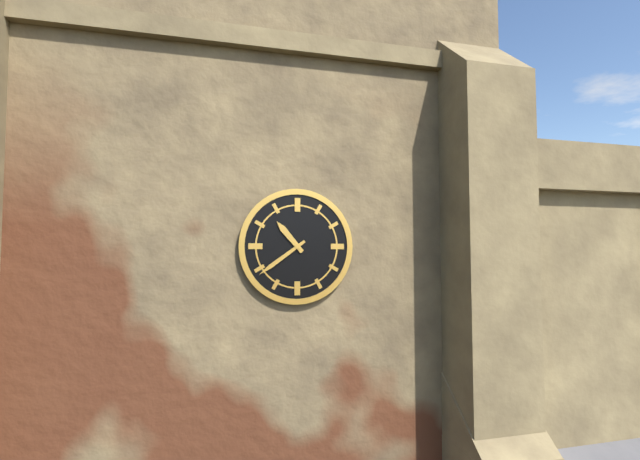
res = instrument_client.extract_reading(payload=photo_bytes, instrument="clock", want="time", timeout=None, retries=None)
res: 10:39
